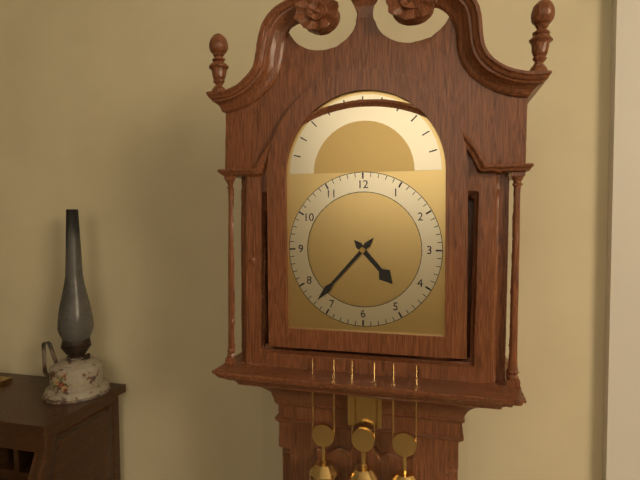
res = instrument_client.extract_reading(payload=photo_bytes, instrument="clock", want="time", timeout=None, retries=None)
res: 4:37
